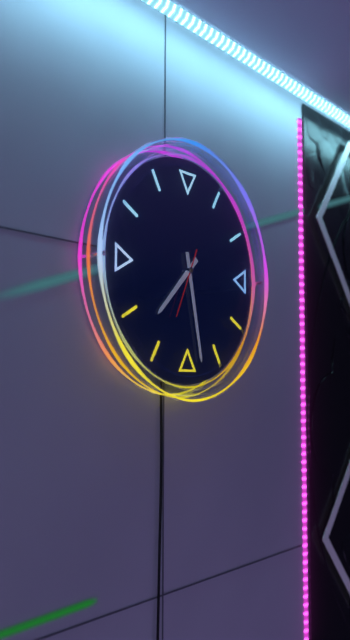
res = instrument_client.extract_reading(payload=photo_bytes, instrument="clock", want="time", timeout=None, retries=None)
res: 7:28:34
